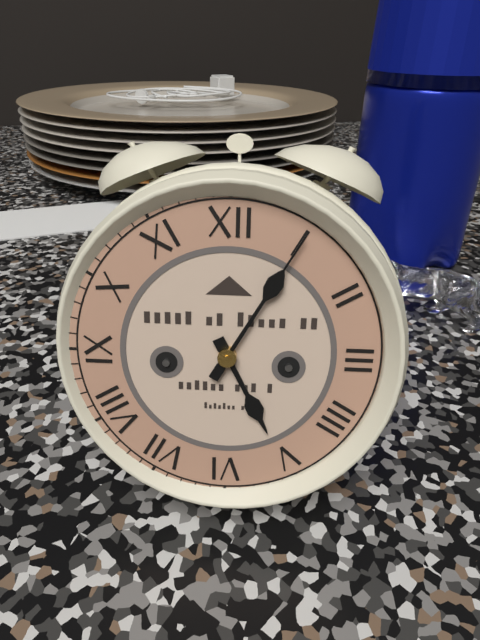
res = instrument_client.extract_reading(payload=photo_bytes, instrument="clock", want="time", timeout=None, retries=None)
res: 5:05
